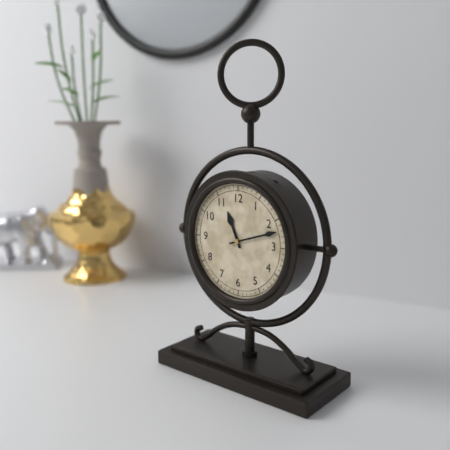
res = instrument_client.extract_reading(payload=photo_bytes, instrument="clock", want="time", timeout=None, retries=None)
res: 11:12
